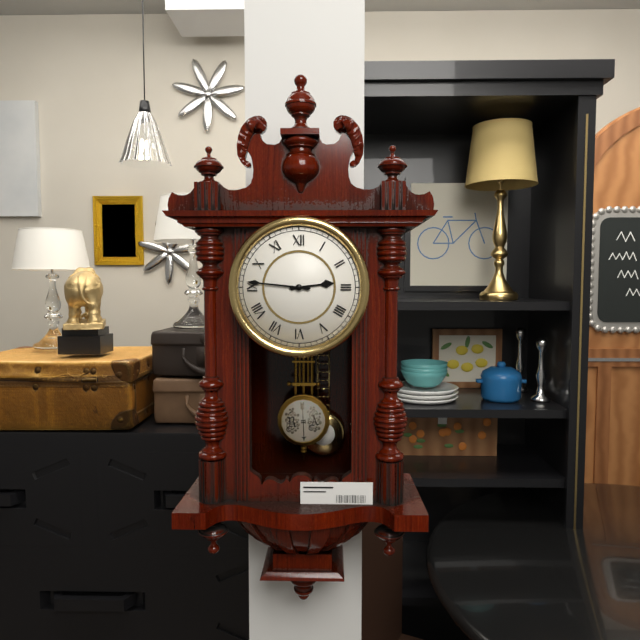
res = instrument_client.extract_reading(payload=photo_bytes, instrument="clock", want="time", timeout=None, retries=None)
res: 2:46
